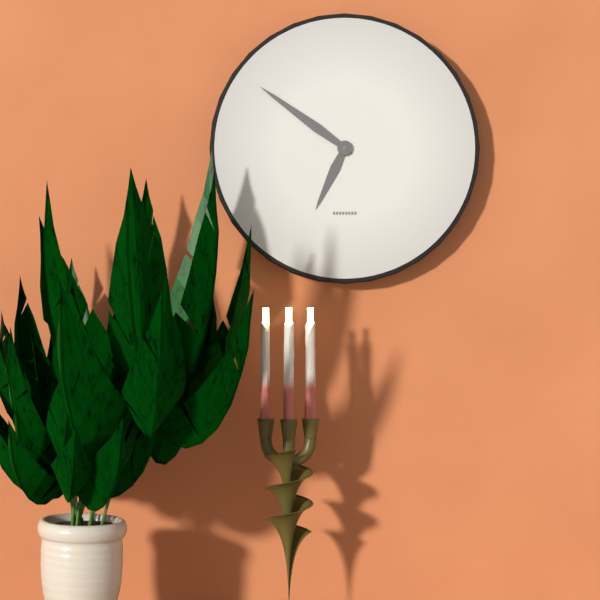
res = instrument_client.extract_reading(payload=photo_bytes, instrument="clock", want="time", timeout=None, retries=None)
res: 6:51
